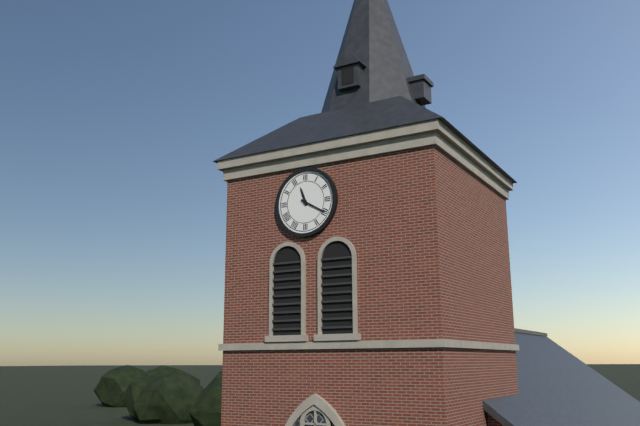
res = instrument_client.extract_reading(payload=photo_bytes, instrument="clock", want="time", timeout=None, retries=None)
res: 11:20
